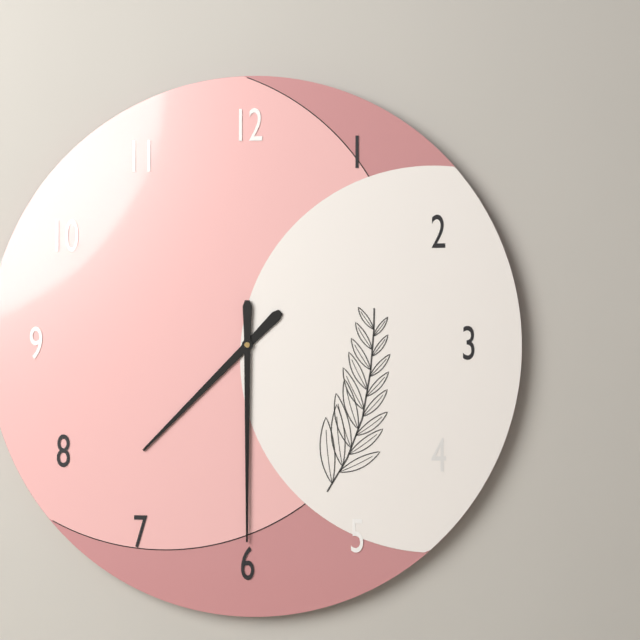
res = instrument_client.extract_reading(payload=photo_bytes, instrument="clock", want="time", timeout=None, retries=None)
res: 7:30
